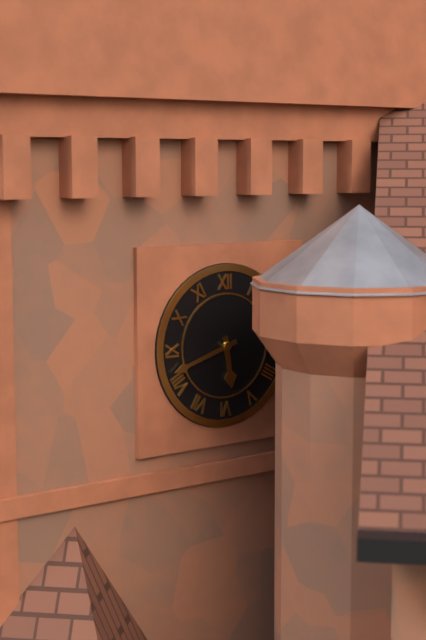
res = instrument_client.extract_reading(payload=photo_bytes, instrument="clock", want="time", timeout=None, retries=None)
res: 5:42
